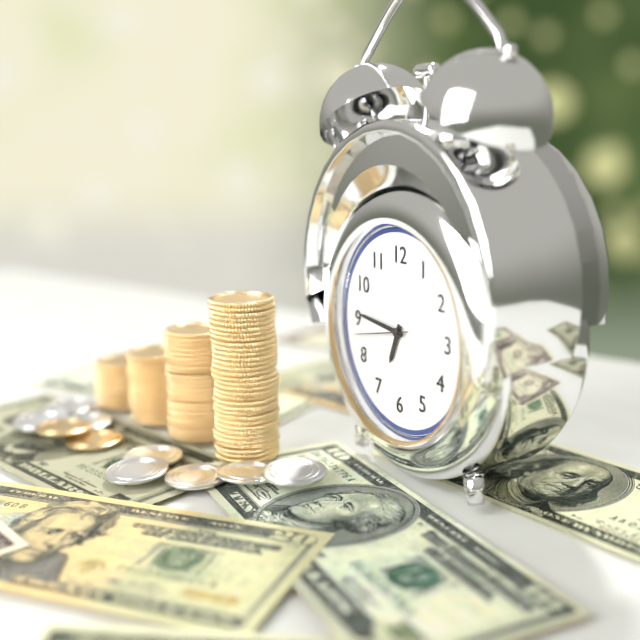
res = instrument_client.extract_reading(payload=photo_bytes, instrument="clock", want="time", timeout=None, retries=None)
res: 6:46:43
